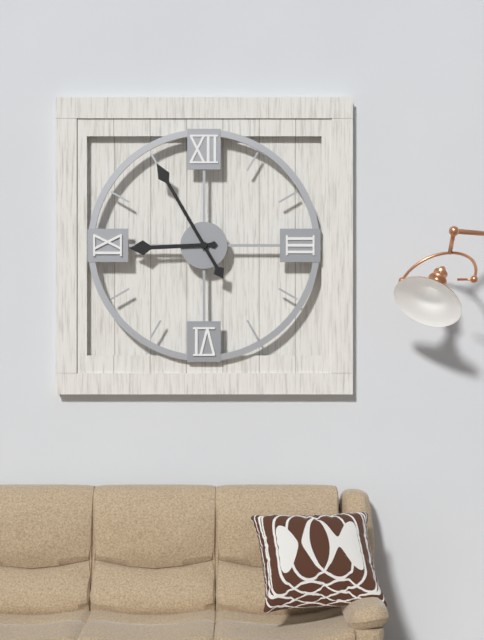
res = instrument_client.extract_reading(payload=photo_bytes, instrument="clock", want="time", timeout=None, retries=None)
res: 8:55
